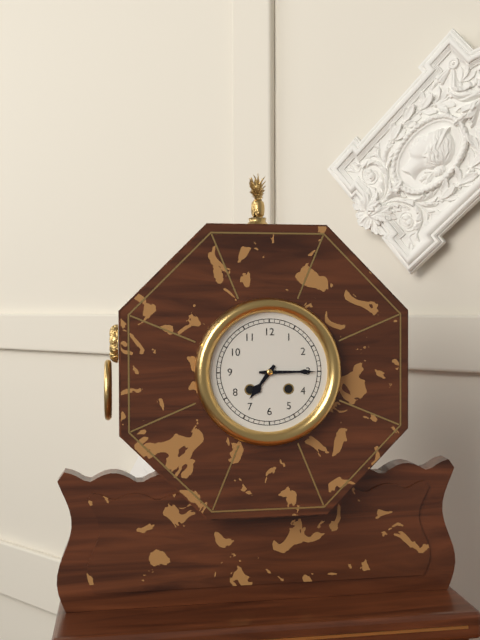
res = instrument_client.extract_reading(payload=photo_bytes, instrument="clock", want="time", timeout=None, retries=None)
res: 7:15
